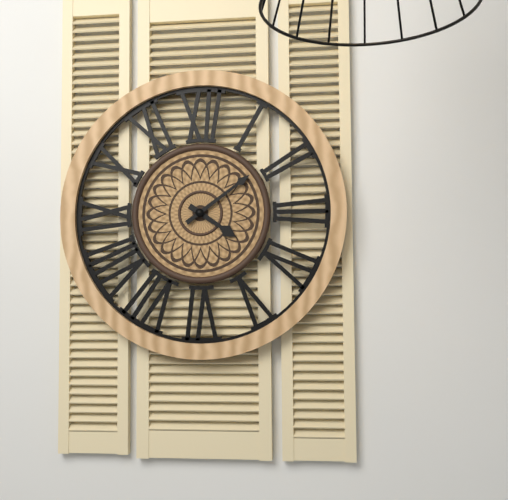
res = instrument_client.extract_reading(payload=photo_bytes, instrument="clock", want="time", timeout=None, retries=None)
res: 4:09
